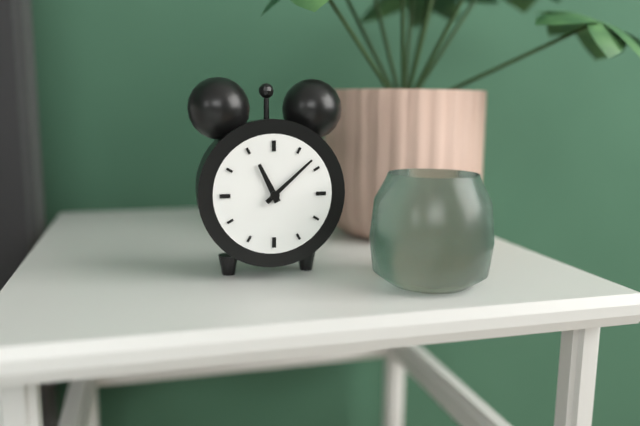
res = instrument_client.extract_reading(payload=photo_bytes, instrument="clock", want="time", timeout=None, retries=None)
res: 11:08
